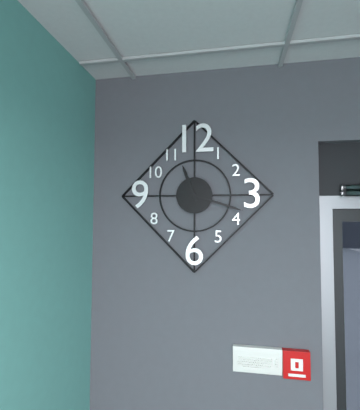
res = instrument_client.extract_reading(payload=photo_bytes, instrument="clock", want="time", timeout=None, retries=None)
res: 11:18
